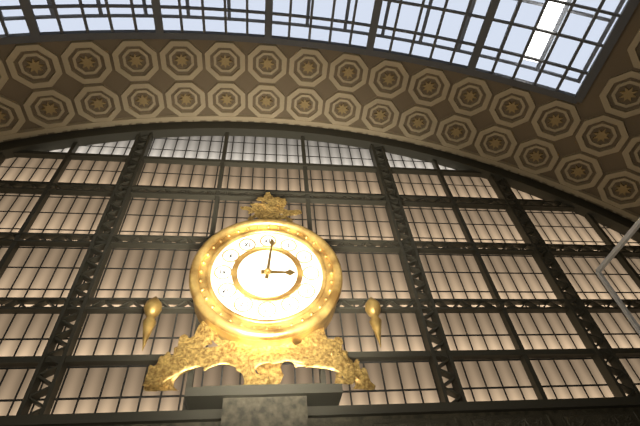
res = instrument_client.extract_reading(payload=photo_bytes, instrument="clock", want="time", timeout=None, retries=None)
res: 3:01
